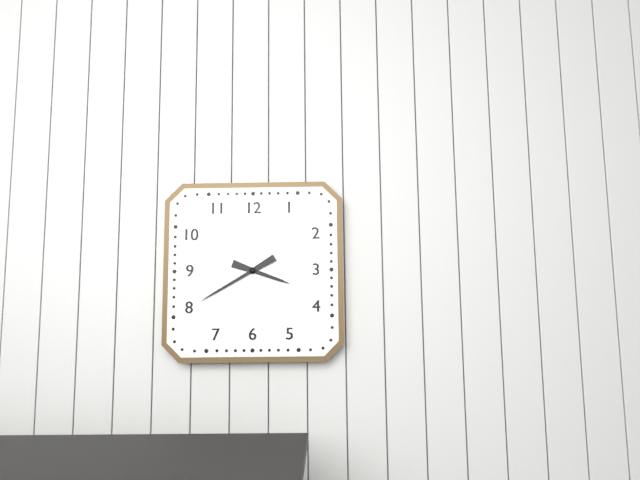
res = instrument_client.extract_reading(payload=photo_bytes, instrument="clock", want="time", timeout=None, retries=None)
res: 3:40
